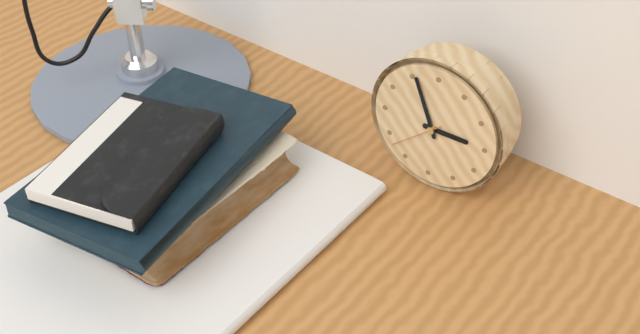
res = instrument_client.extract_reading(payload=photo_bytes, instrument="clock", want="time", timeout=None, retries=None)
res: 2:56:38
